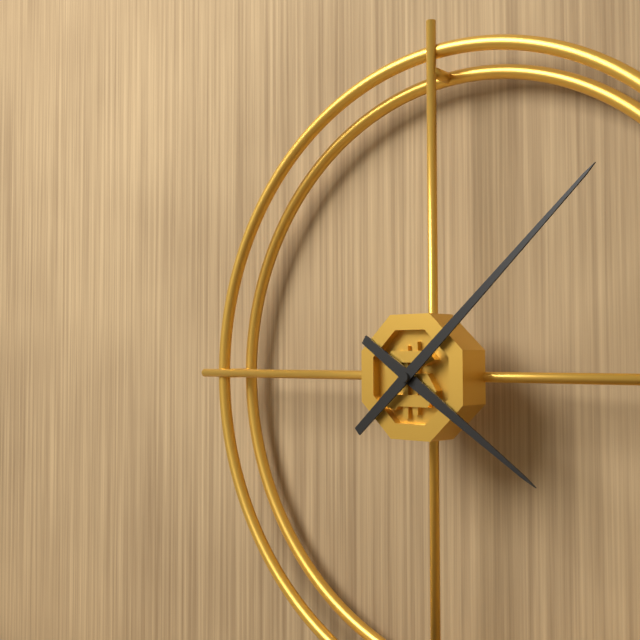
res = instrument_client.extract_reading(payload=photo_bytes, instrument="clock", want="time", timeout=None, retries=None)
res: 4:08
